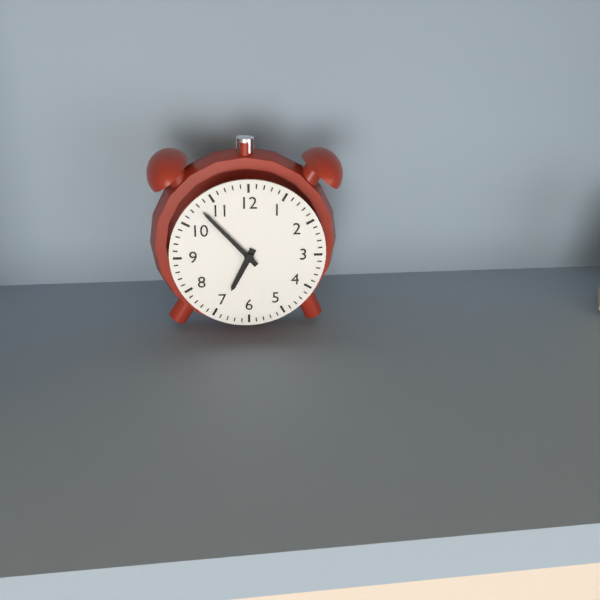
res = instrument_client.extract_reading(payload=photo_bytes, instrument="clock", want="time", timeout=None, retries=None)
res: 6:53
